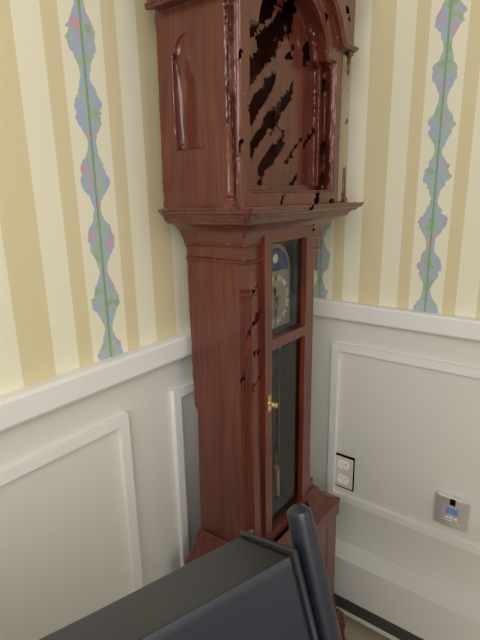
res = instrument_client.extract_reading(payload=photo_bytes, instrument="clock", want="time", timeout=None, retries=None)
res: 11:32
